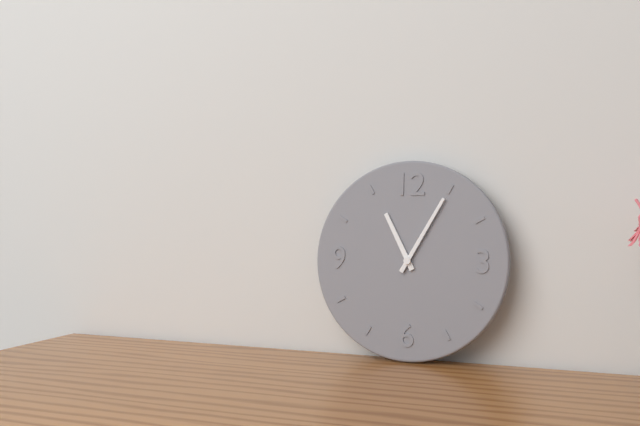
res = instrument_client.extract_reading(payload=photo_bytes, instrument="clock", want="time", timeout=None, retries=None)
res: 11:05
